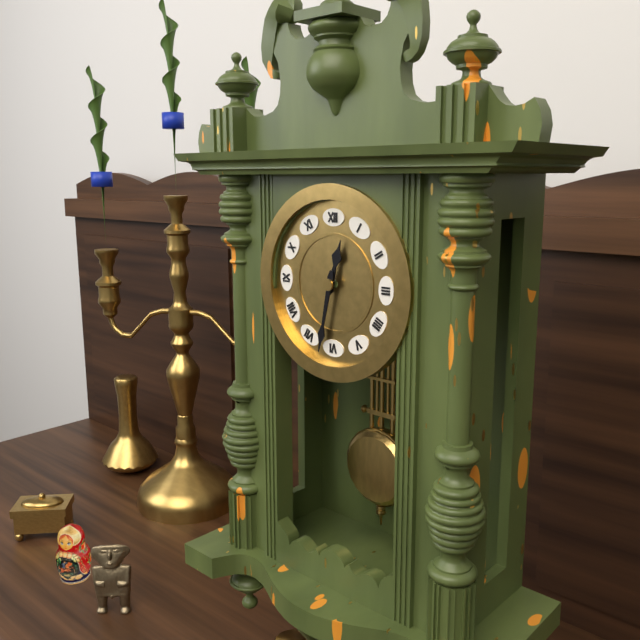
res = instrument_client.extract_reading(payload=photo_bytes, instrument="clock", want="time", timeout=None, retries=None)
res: 12:32
